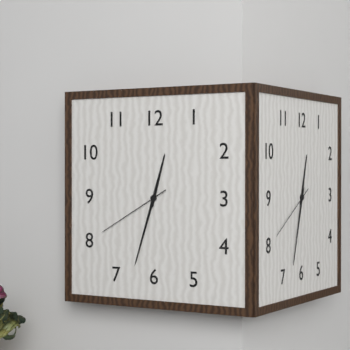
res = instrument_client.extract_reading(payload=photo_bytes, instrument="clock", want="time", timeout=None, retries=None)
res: 12:33:40
